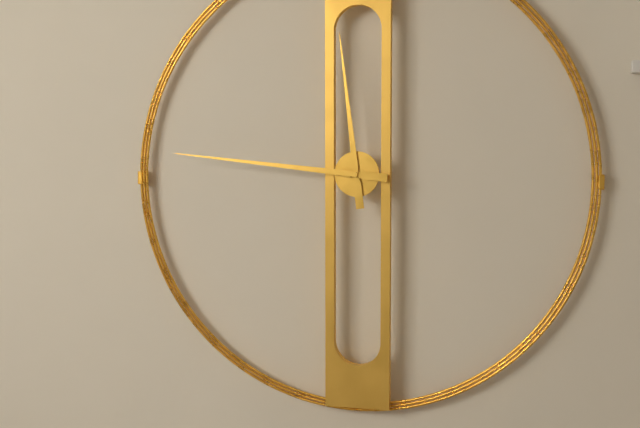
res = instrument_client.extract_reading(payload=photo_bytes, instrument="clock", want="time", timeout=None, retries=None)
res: 11:46
